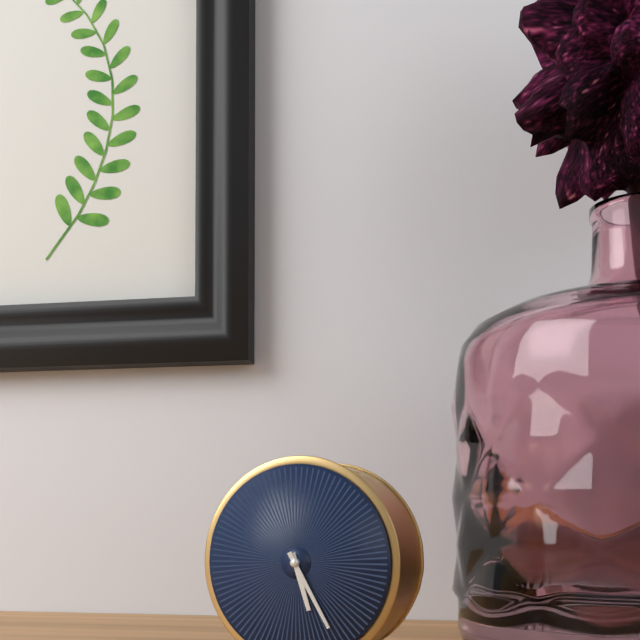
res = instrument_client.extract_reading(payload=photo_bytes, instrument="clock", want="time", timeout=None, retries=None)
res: 5:25
